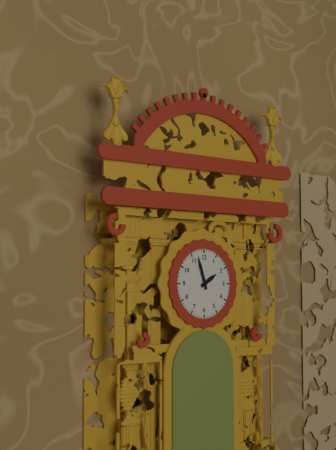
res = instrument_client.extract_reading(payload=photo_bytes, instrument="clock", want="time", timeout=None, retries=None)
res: 1:57
